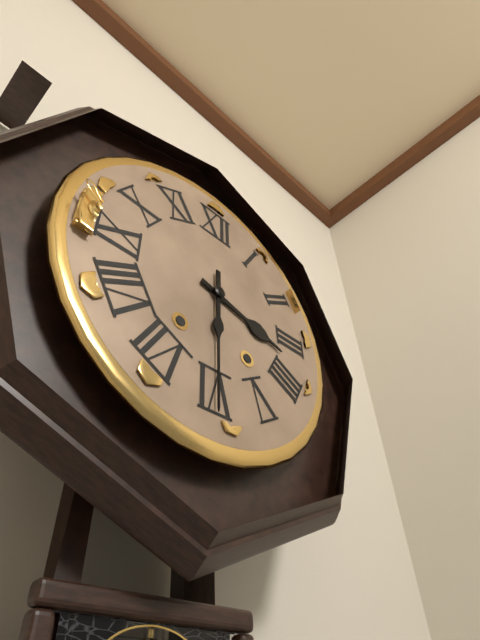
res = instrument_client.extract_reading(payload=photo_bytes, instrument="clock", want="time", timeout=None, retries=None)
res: 3:30
